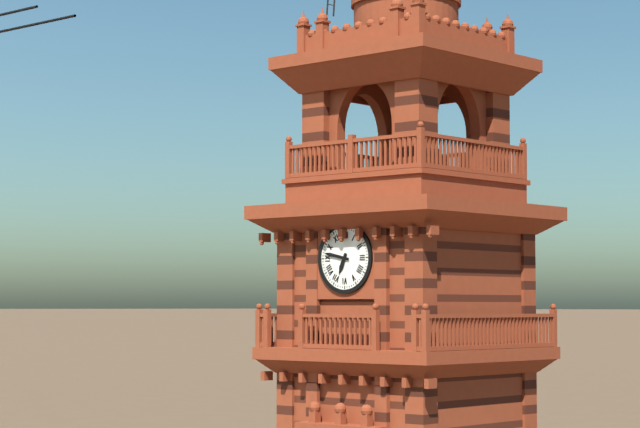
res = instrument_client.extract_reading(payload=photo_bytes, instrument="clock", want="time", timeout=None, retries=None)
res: 6:47
